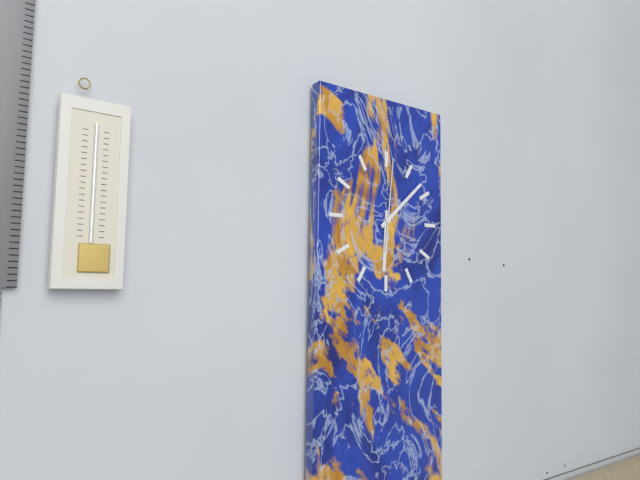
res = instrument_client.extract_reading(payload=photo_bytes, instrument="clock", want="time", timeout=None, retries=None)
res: 6:08:01
